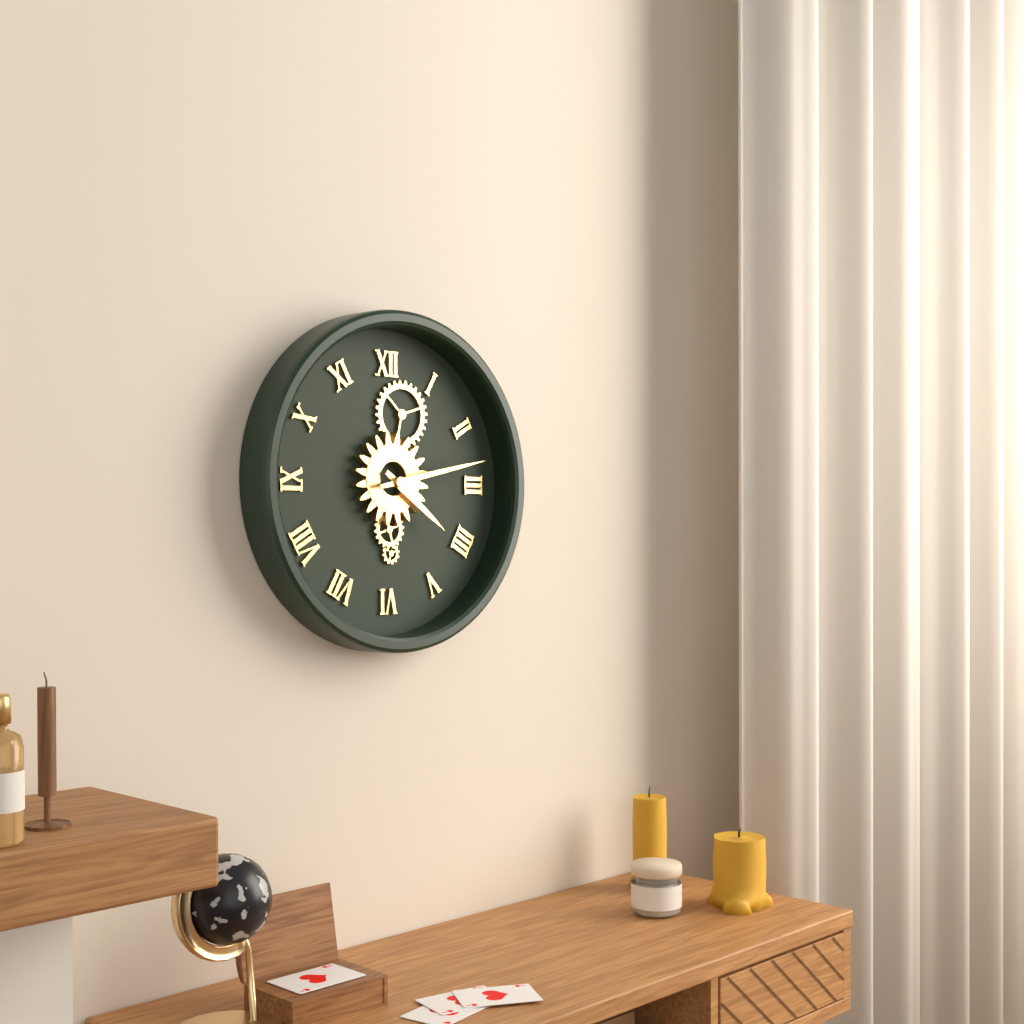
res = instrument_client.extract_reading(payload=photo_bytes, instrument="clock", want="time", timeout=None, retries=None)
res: 4:13
